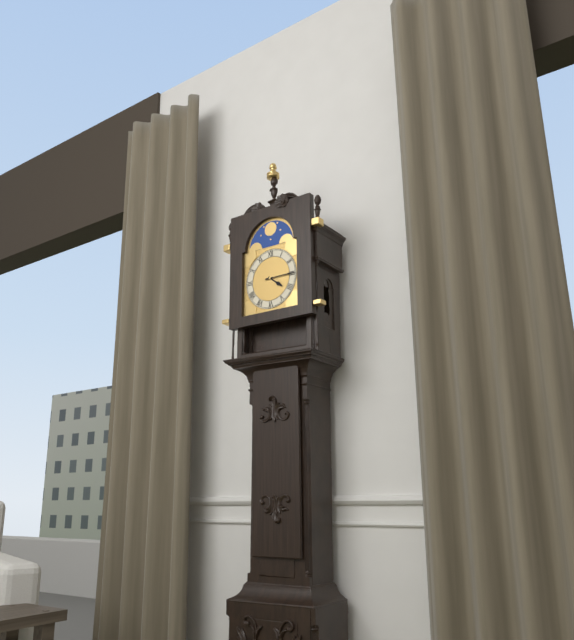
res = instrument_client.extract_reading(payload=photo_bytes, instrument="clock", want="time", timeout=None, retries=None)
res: 4:15
